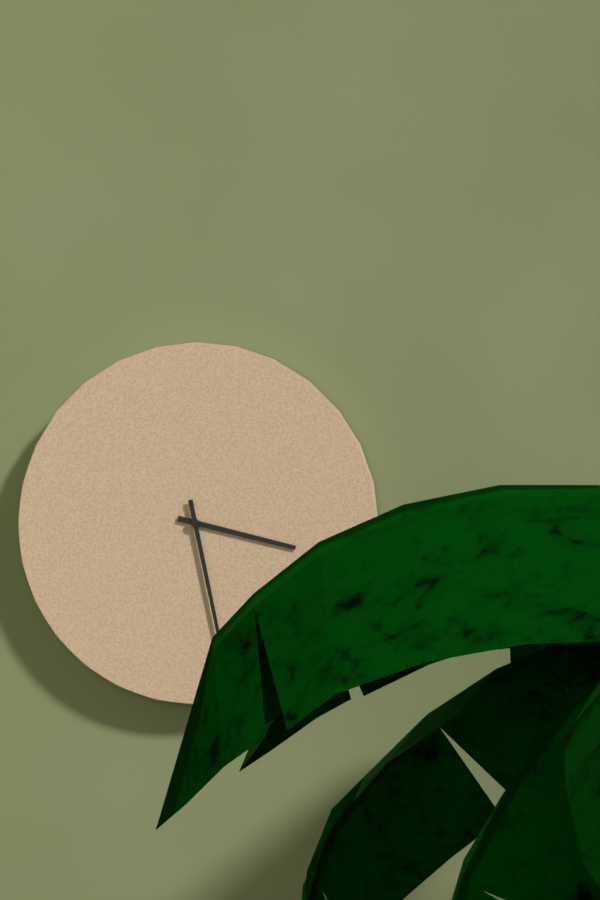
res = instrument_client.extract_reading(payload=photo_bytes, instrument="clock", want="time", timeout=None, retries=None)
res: 3:28
